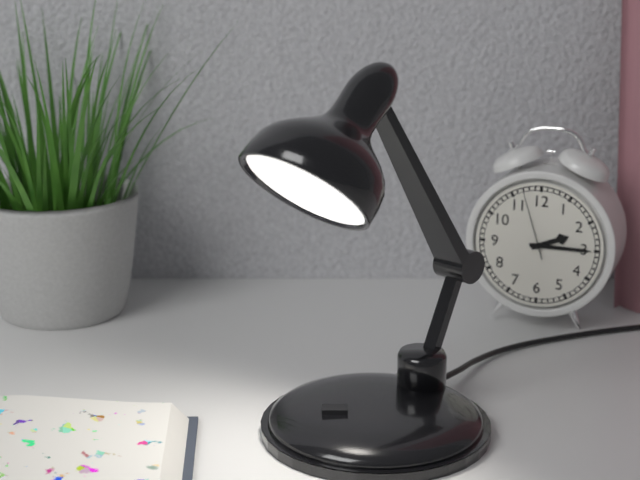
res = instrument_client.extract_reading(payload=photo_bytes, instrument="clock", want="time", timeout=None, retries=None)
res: 2:15:57
